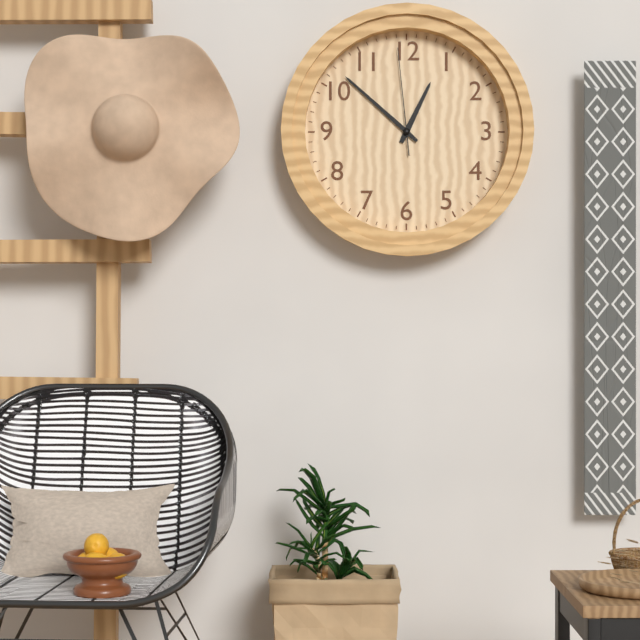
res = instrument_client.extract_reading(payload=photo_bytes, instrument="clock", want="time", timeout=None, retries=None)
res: 12:52:59
